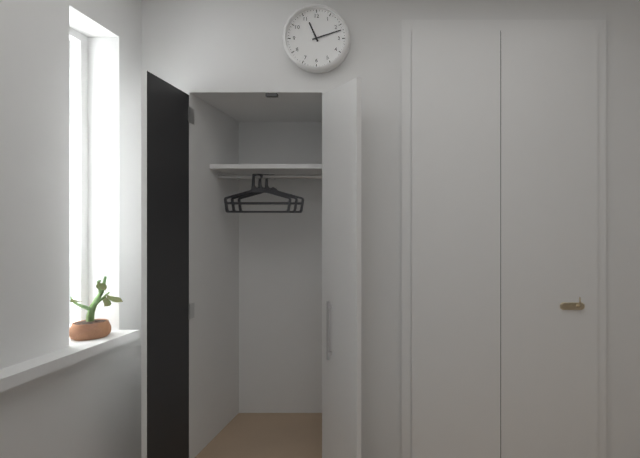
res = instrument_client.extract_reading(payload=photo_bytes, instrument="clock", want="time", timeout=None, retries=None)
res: 11:12
